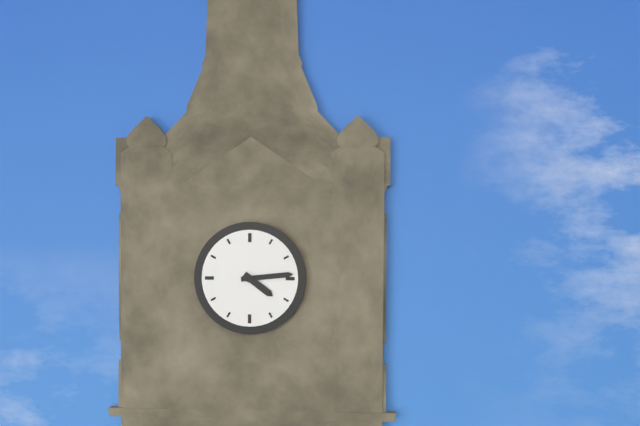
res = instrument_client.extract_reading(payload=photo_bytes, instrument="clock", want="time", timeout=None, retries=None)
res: 4:14
